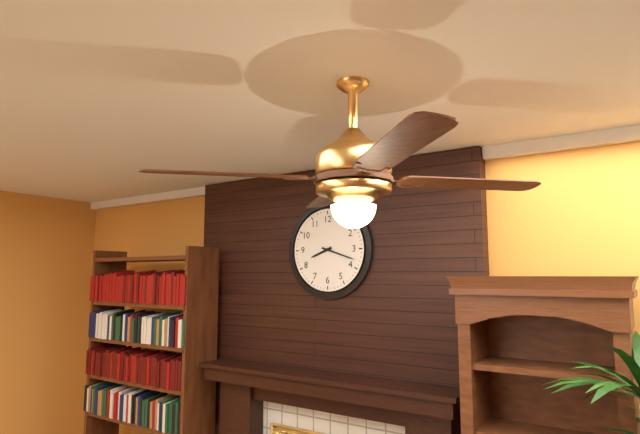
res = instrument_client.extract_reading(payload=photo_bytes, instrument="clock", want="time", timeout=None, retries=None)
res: 8:18
